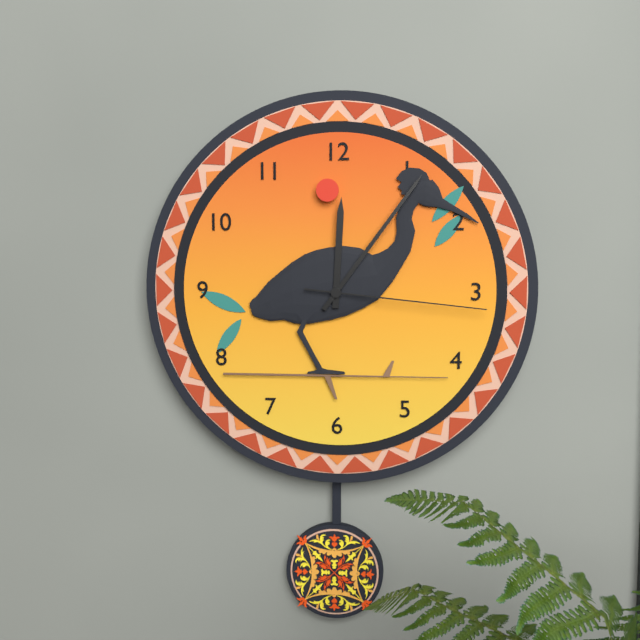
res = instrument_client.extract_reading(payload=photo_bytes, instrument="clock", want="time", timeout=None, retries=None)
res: 12:06:16
